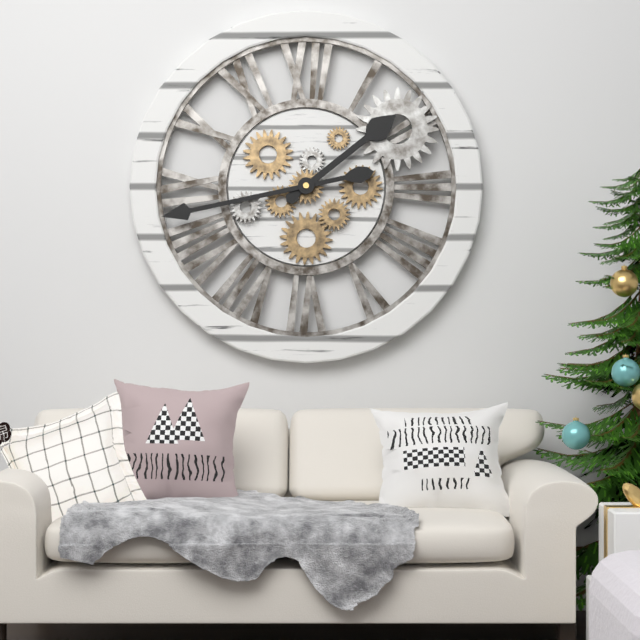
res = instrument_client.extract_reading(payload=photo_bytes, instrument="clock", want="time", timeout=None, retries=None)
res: 1:43
